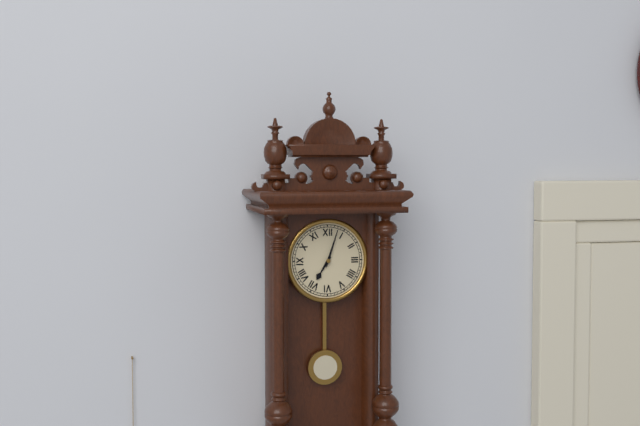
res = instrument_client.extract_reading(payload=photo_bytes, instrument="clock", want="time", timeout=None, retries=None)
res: 7:03
